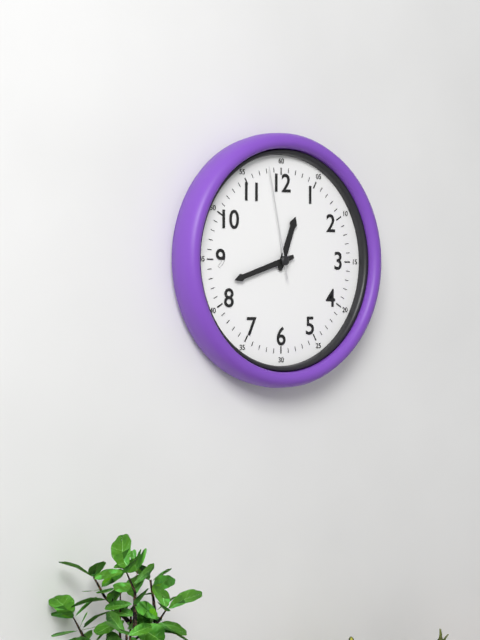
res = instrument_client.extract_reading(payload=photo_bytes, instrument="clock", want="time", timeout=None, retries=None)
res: 12:42:58
